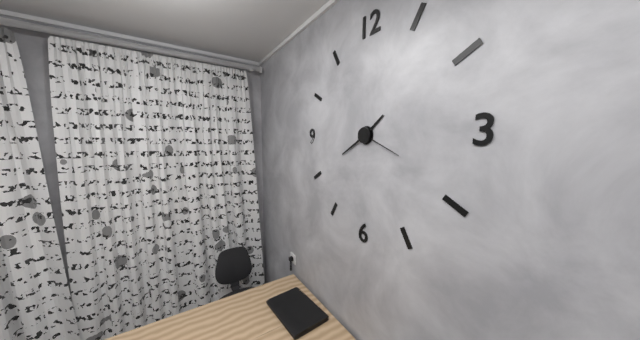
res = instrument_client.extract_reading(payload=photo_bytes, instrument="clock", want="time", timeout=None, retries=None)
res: 1:40
